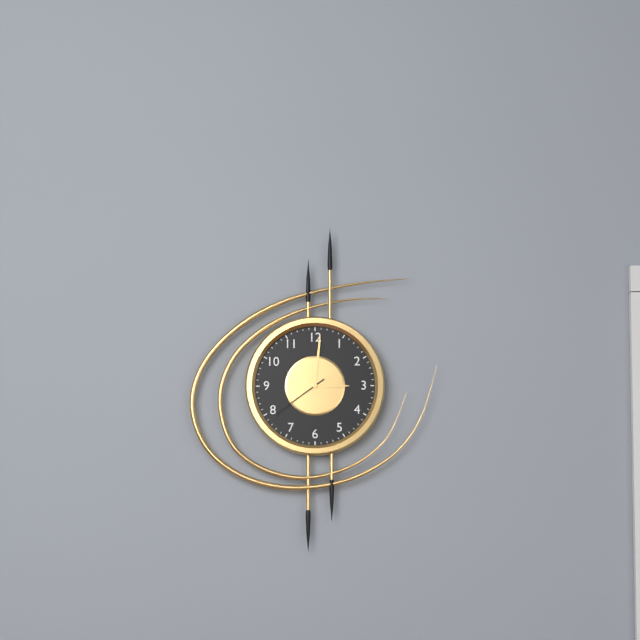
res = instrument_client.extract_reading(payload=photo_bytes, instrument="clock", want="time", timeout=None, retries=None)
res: 3:01:39
